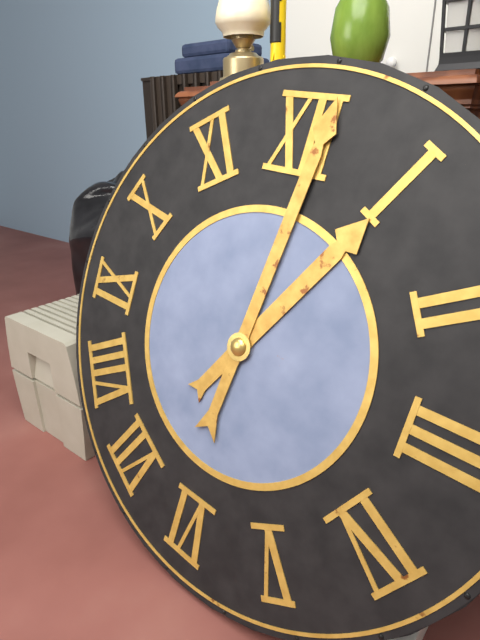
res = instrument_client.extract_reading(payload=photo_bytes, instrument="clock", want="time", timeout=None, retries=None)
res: 1:01
